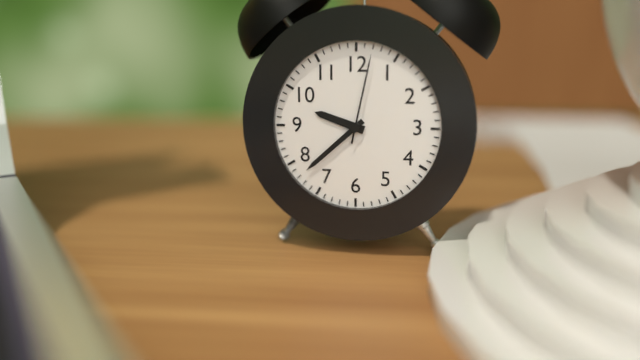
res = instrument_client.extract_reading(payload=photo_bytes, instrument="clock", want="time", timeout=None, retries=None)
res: 9:38:02
